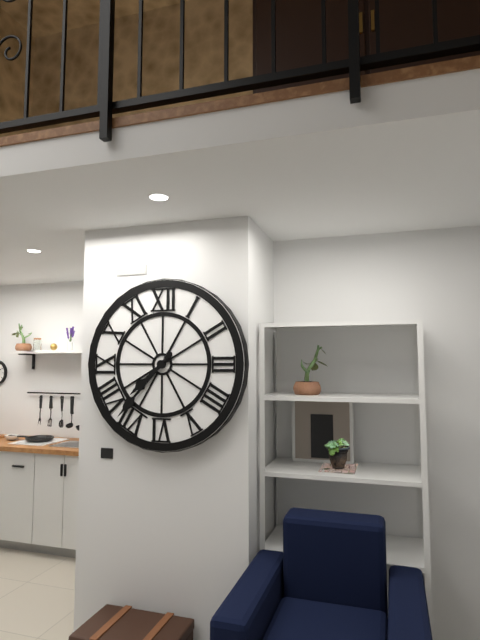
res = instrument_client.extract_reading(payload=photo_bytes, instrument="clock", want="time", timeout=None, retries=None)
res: 7:37
